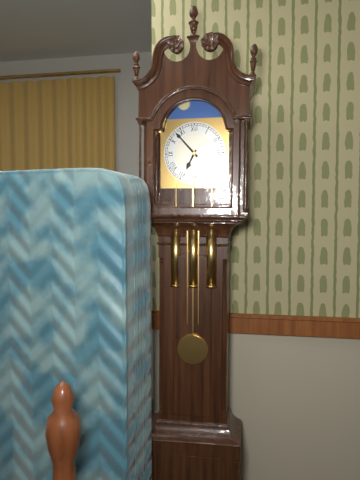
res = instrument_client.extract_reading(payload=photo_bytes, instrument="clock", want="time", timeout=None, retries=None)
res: 6:53
